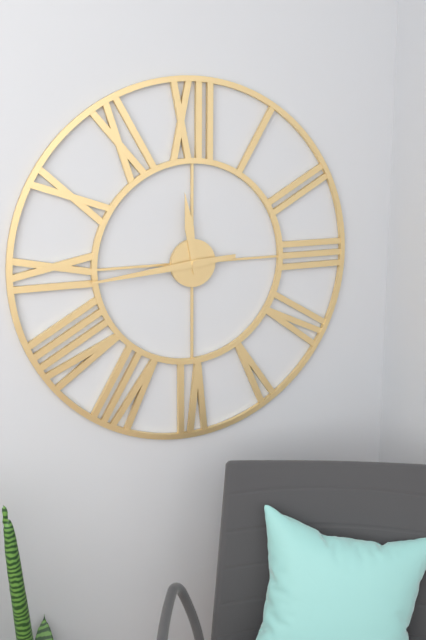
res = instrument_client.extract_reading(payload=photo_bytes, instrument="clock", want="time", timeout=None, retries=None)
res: 11:44
